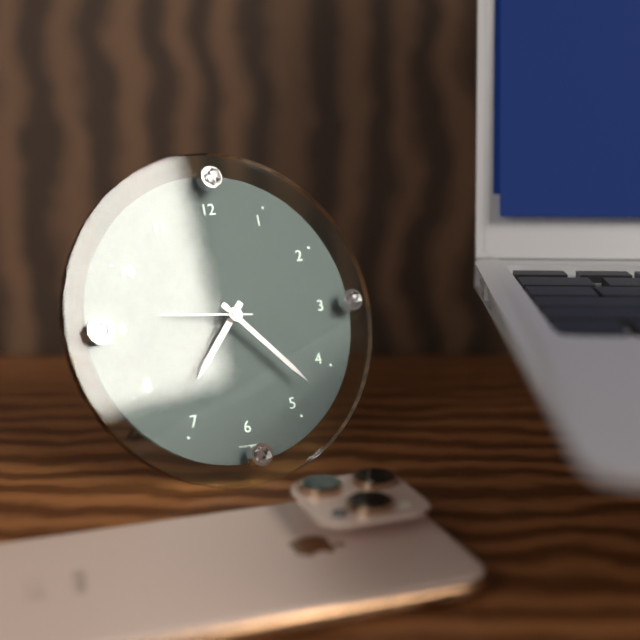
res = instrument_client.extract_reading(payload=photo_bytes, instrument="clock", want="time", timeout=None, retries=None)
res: 7:23:46
